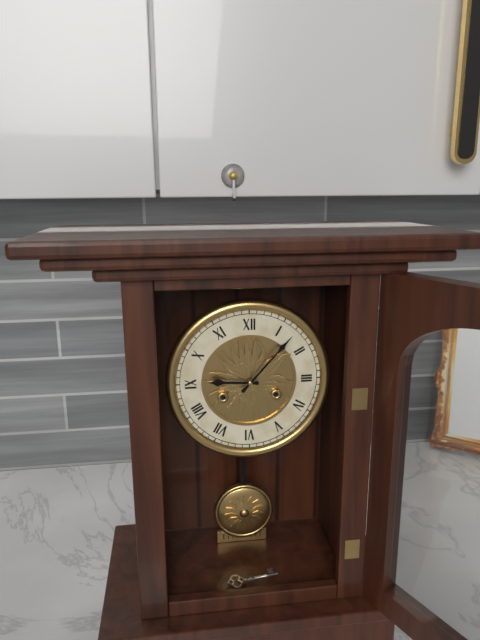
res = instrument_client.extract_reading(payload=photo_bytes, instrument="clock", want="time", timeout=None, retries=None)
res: 9:07
